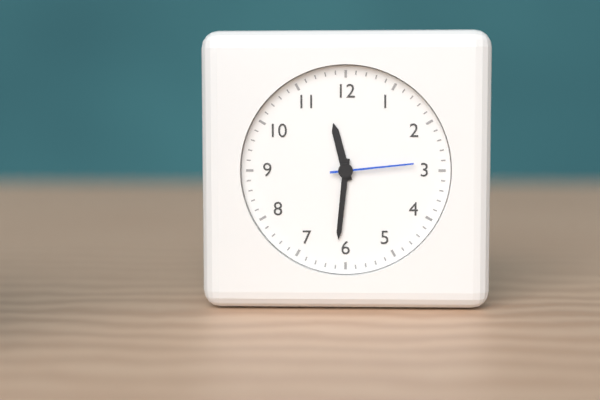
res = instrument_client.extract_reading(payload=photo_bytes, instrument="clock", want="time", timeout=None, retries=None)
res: 11:31:14
